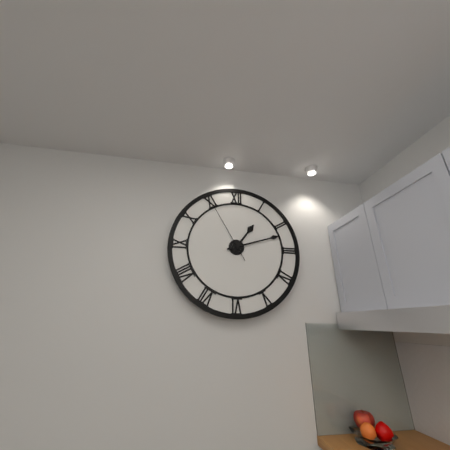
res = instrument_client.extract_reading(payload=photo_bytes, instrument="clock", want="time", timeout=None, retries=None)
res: 1:12:55
